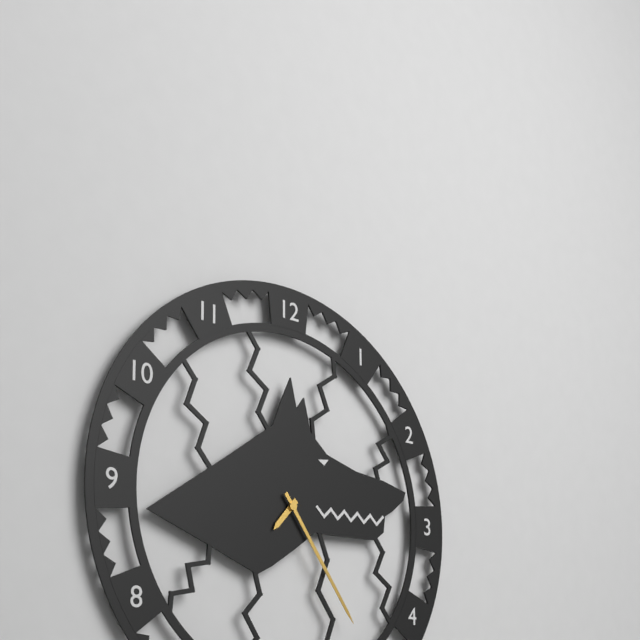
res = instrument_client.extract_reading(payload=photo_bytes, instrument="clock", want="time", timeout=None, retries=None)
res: 7:24
